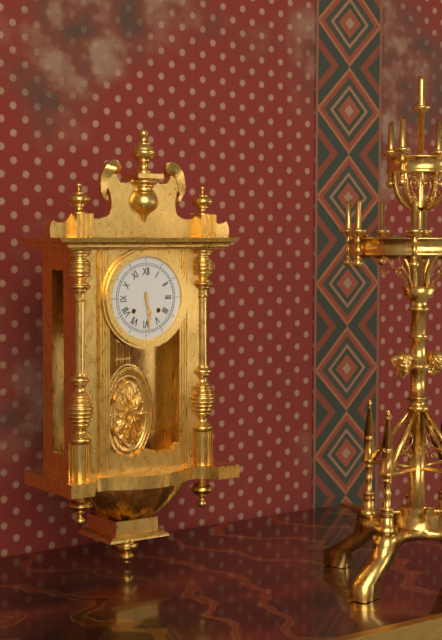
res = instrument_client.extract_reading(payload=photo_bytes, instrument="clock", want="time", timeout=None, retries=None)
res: 5:29
